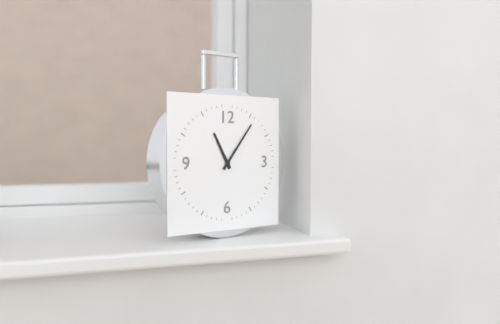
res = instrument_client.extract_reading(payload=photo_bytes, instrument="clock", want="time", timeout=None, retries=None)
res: 11:06
